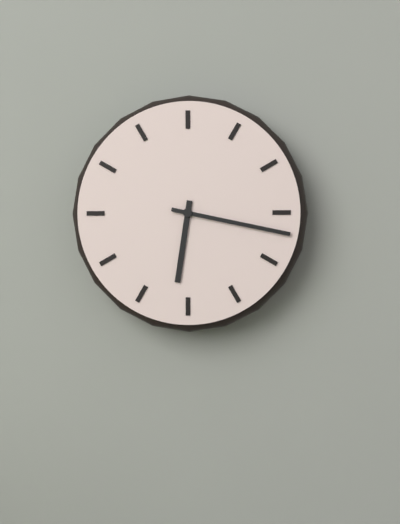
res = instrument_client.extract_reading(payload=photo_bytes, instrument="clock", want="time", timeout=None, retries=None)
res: 6:17
